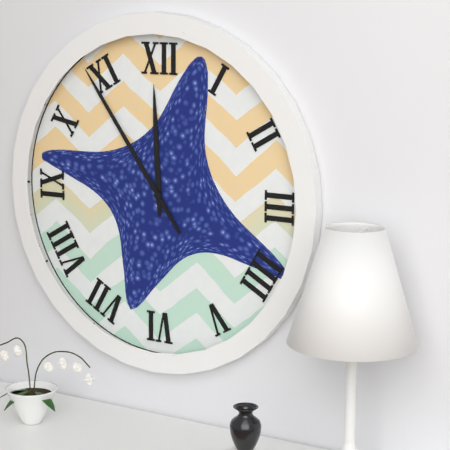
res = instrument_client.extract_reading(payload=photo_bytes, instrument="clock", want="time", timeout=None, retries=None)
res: 11:54
